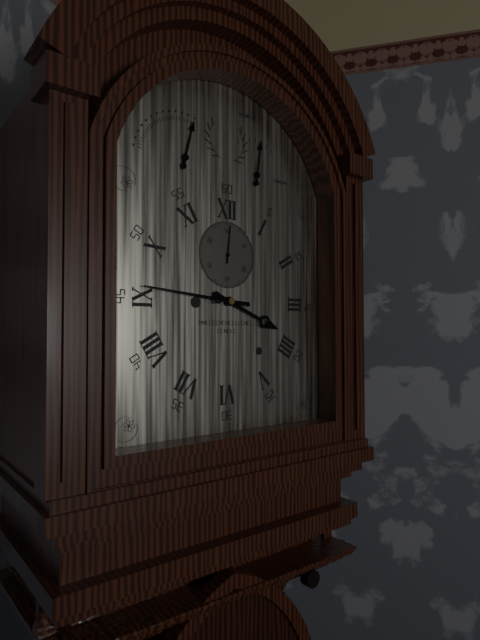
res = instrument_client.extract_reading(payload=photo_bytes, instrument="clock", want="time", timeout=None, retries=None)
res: 3:46
